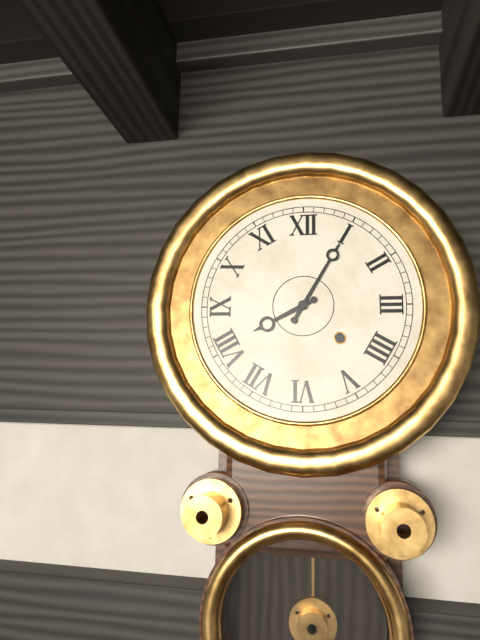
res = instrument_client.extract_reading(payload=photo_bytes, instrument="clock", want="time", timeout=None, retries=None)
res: 8:05
